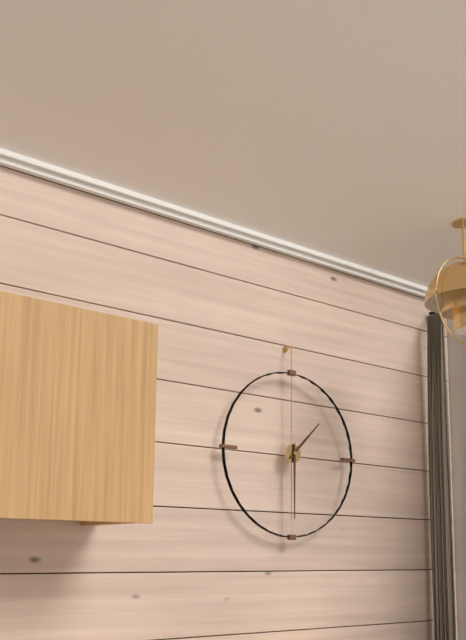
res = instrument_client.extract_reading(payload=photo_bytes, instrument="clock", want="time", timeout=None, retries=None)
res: 1:30
